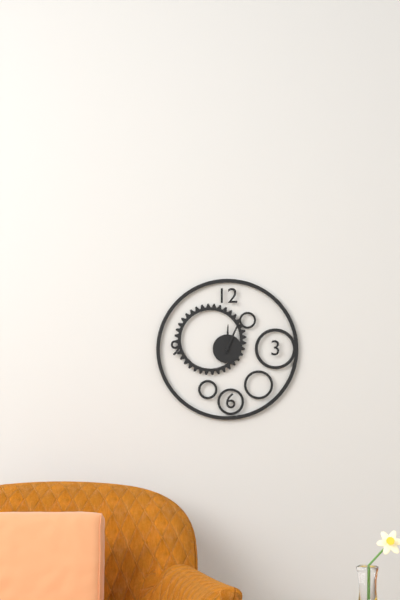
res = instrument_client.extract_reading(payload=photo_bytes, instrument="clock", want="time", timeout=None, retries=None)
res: 12:04
